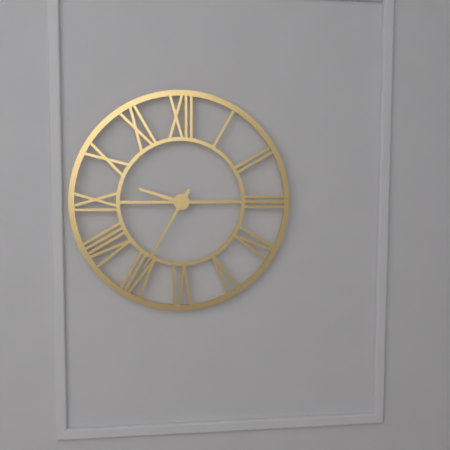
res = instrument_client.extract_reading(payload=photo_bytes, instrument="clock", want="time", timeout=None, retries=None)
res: 9:35
